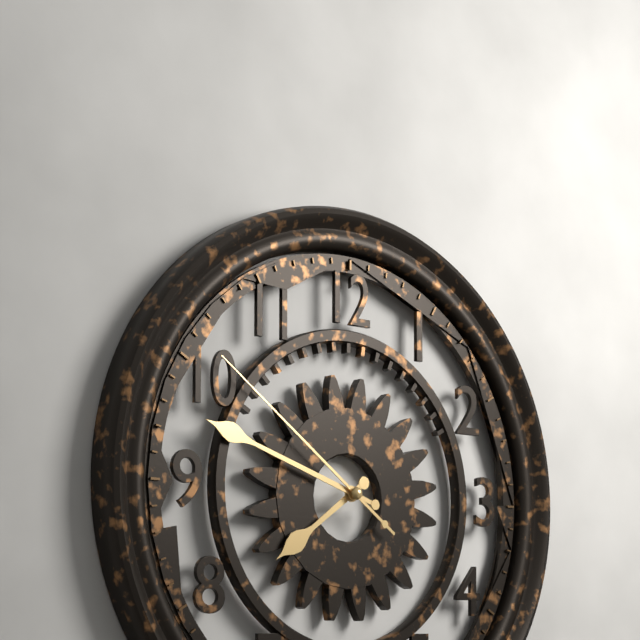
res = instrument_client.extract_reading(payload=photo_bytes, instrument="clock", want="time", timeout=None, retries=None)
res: 7:48:51
